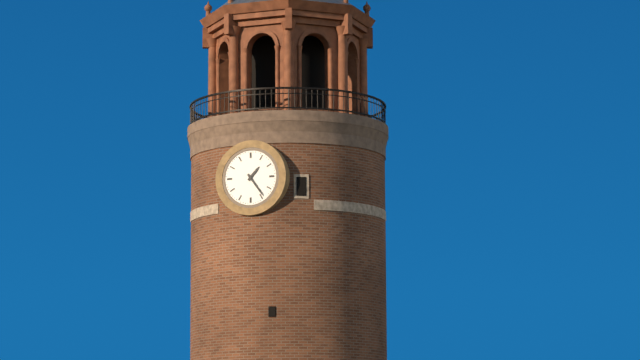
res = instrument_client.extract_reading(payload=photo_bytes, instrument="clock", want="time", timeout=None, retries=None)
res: 1:24
